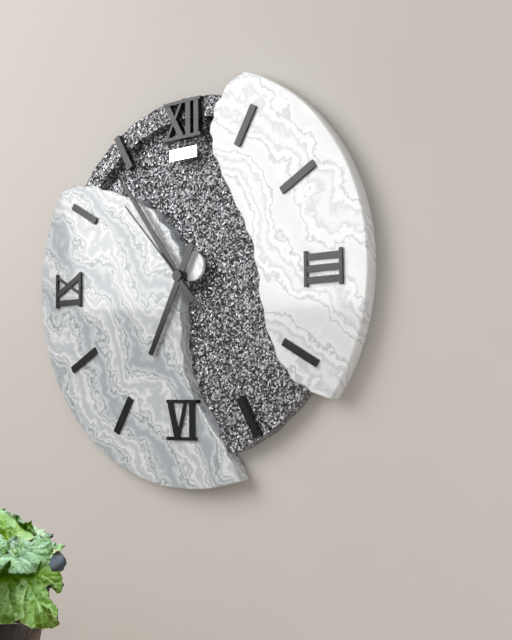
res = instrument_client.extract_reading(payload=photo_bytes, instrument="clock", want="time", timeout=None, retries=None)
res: 6:54:53
